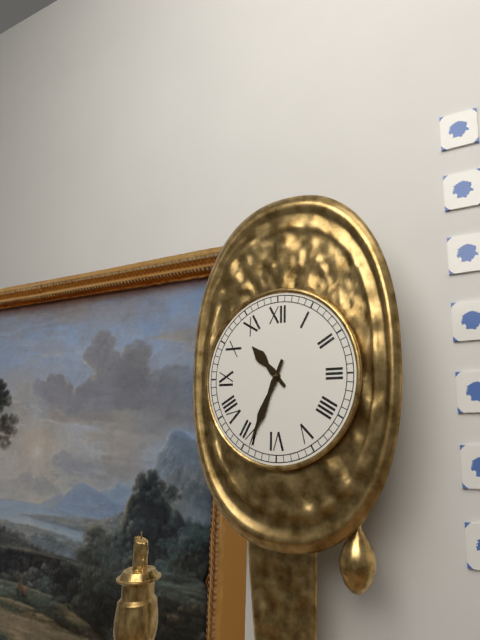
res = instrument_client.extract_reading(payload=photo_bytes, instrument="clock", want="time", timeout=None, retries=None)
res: 10:34
